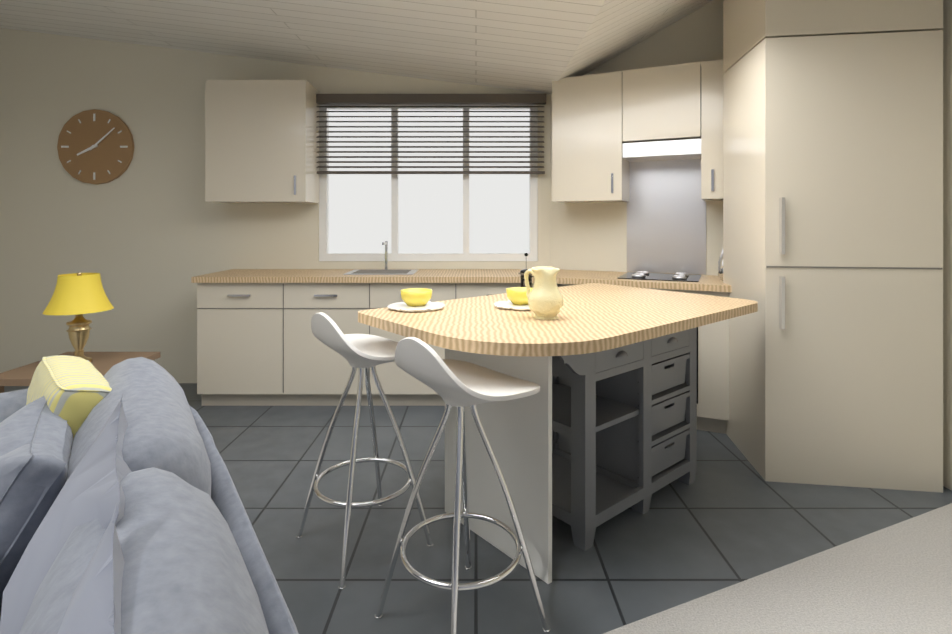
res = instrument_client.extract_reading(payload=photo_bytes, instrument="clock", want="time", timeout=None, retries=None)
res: 8:08
